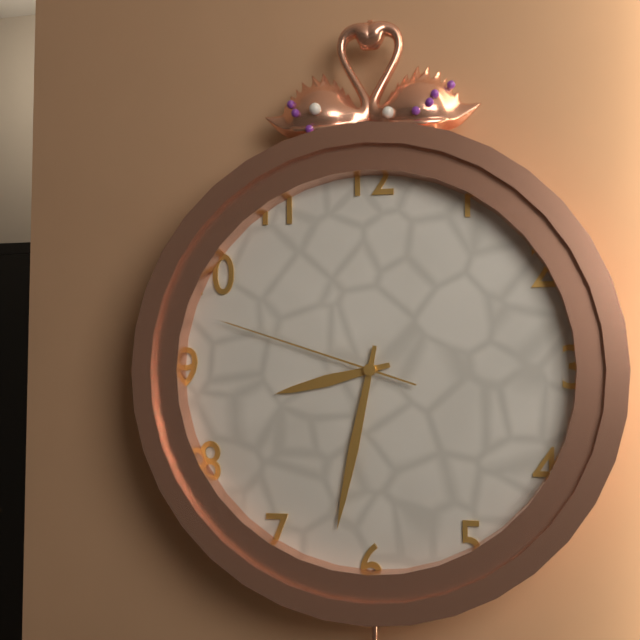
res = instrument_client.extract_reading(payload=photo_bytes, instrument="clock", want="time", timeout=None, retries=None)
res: 8:32:48
